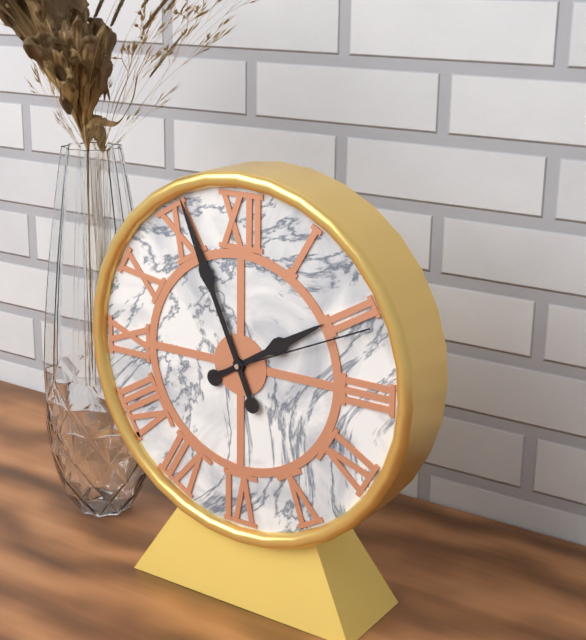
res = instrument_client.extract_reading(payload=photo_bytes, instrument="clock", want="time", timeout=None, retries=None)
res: 1:56:11
